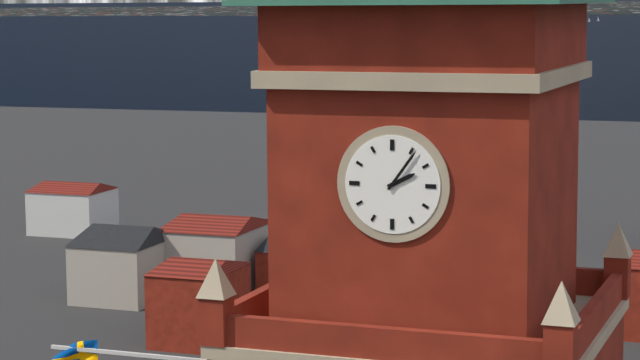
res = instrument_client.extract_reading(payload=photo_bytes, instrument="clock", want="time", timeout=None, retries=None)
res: 2:06
